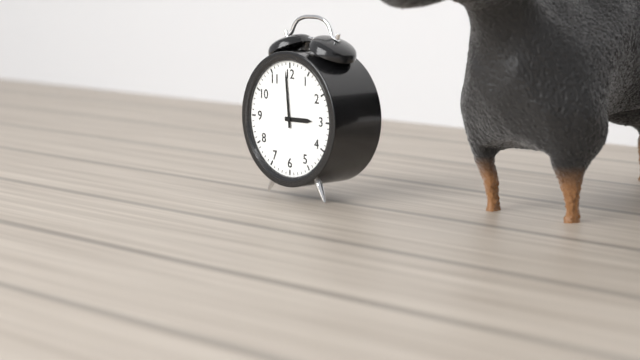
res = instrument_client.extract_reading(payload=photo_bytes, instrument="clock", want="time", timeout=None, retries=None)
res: 2:59
